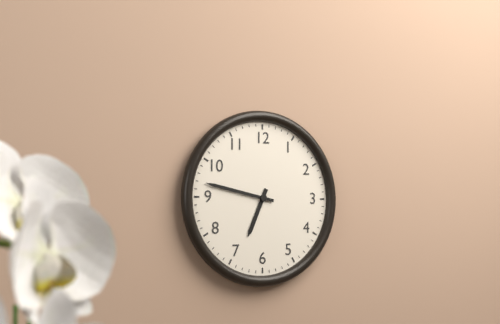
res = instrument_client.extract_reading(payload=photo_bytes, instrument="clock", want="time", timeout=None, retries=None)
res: 6:47
